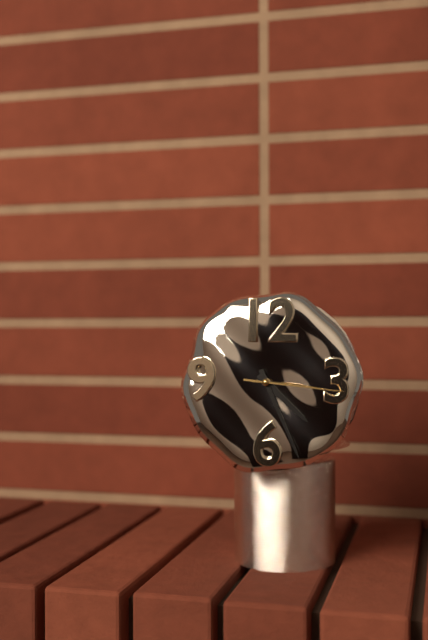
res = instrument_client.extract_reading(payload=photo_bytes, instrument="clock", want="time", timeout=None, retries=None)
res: 4:26:16
